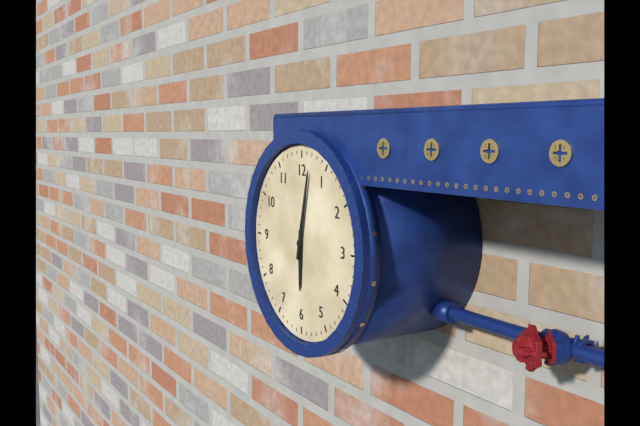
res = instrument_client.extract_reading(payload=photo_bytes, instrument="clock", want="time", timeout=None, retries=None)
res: 6:02
